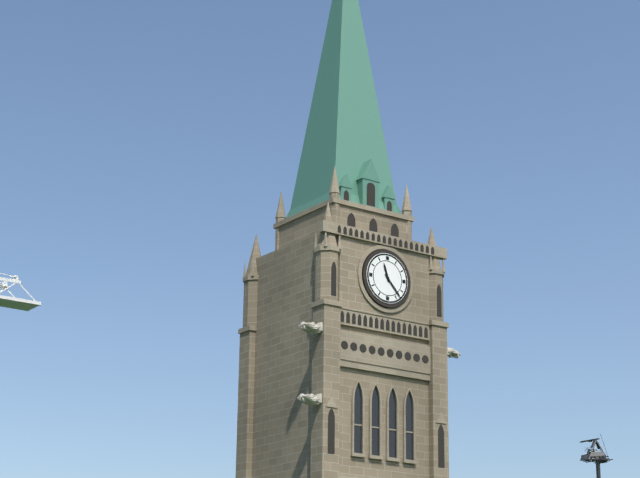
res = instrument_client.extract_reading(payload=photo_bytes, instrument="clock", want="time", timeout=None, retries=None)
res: 11:23
